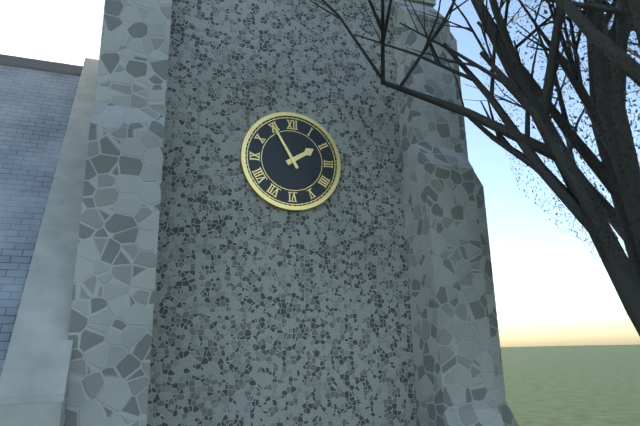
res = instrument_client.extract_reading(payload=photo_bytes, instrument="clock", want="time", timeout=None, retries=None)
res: 1:55
